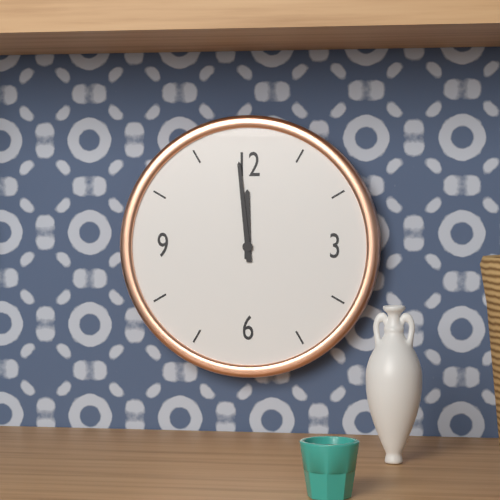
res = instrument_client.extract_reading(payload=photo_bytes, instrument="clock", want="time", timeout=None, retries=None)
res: 11:59
